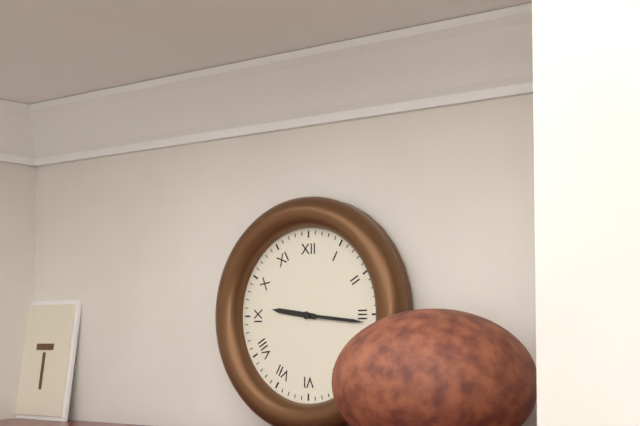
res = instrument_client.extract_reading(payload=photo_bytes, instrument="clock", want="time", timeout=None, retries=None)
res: 9:16
